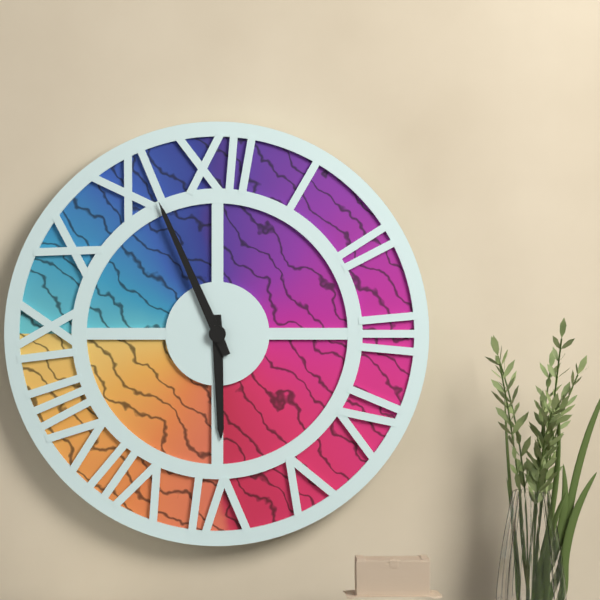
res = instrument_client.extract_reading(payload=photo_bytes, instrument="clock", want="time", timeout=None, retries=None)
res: 5:56
